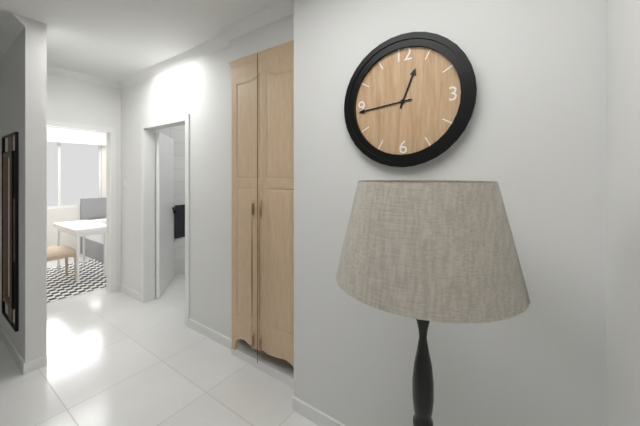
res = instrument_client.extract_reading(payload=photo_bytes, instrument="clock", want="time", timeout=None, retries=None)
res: 12:44
